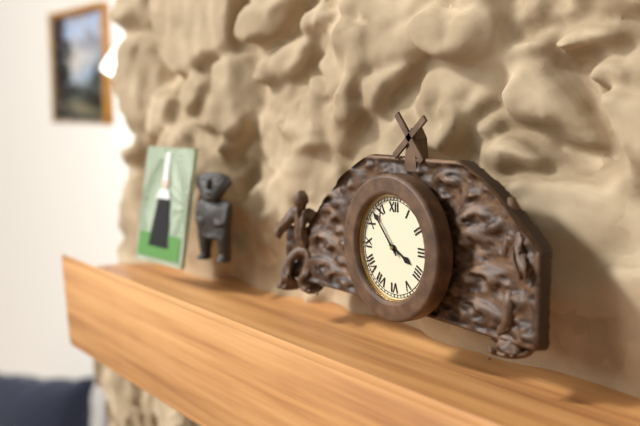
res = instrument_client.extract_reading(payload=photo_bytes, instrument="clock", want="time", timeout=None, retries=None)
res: 3:53
